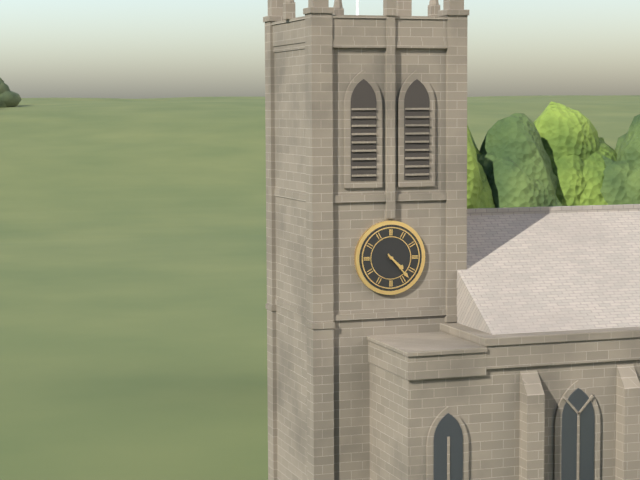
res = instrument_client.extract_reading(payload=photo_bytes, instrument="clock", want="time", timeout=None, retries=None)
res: 4:23
